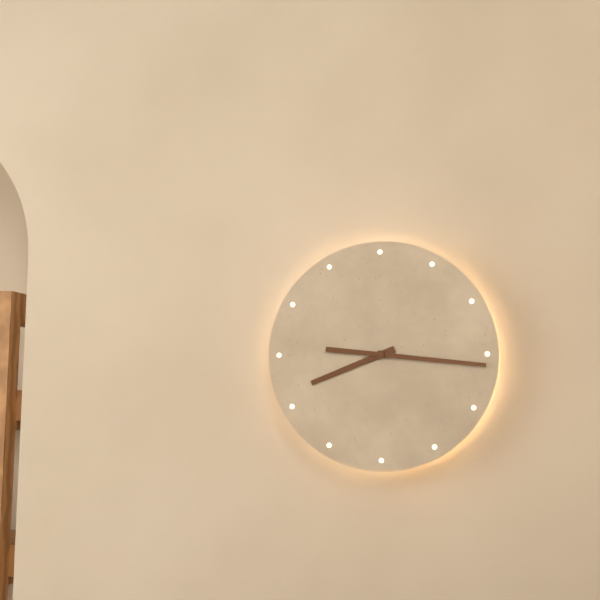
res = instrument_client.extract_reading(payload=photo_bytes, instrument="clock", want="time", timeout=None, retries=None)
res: 8:16
